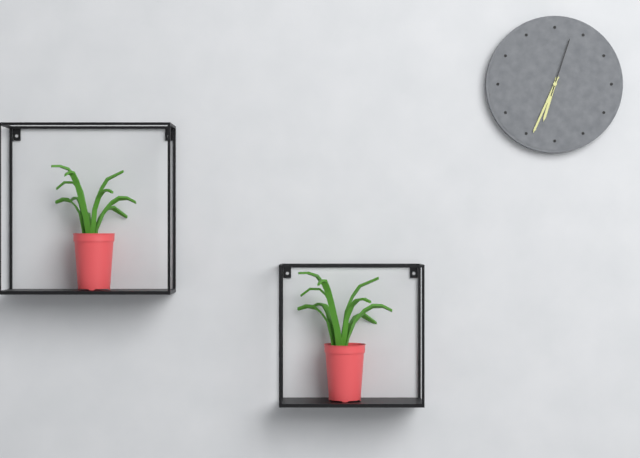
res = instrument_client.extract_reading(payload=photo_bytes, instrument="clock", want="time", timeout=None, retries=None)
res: 6:34:03
